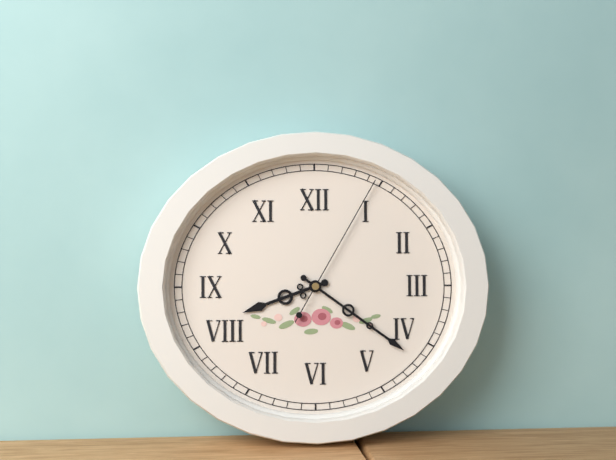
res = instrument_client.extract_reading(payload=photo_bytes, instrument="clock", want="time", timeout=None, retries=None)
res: 8:21:05
